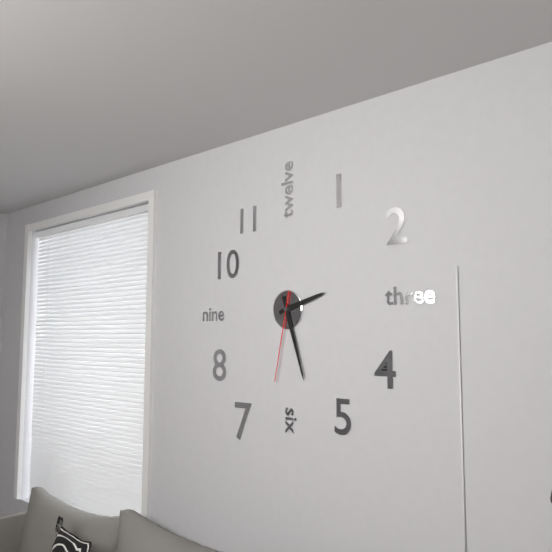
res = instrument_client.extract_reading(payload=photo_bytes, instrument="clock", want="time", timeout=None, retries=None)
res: 2:27:32
